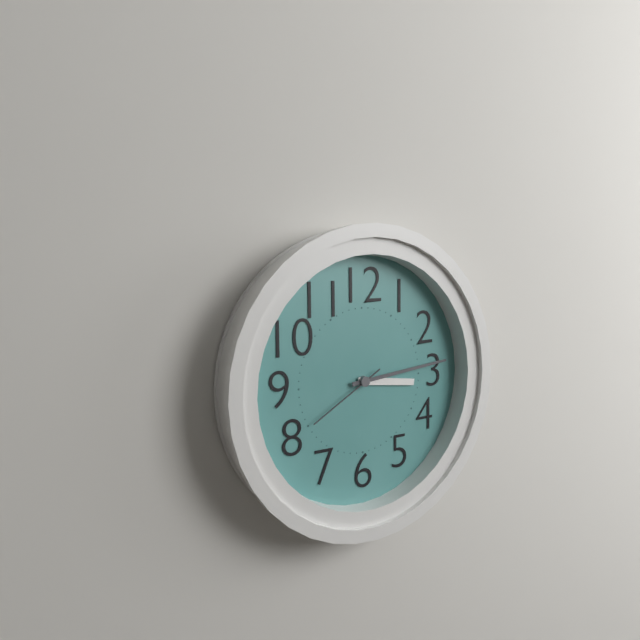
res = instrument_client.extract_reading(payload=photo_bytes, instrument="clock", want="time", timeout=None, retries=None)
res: 3:14:40
